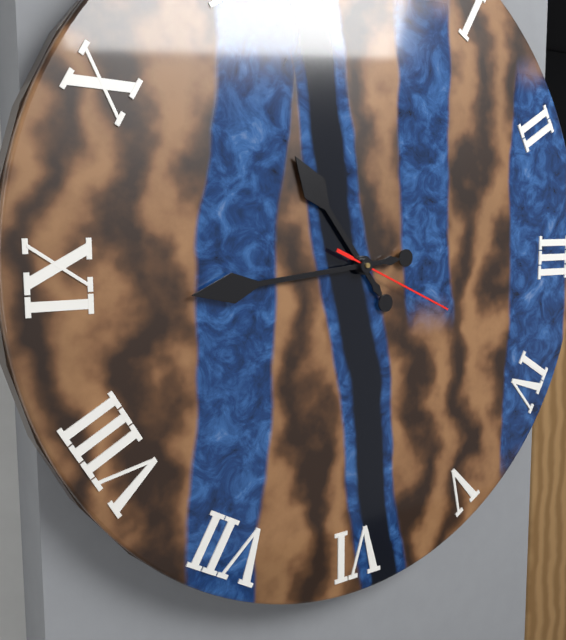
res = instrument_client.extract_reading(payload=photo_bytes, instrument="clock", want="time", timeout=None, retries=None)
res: 10:44:19
